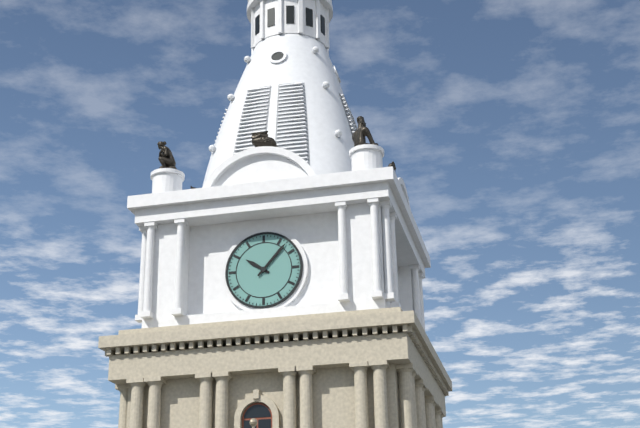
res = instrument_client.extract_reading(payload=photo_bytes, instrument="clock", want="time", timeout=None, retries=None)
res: 10:07
